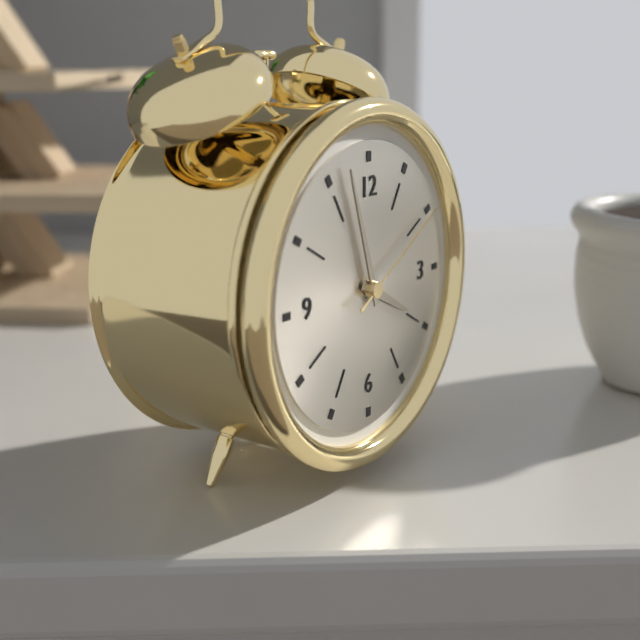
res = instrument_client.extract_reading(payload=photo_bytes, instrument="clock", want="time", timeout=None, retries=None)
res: 3:57:10
